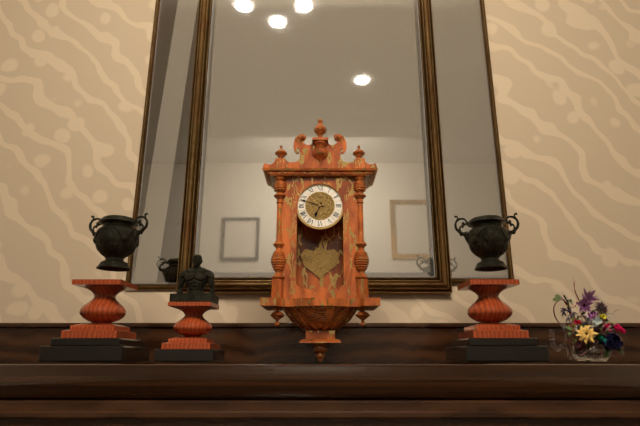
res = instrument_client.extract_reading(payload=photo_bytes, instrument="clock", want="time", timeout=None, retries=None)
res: 6:48
